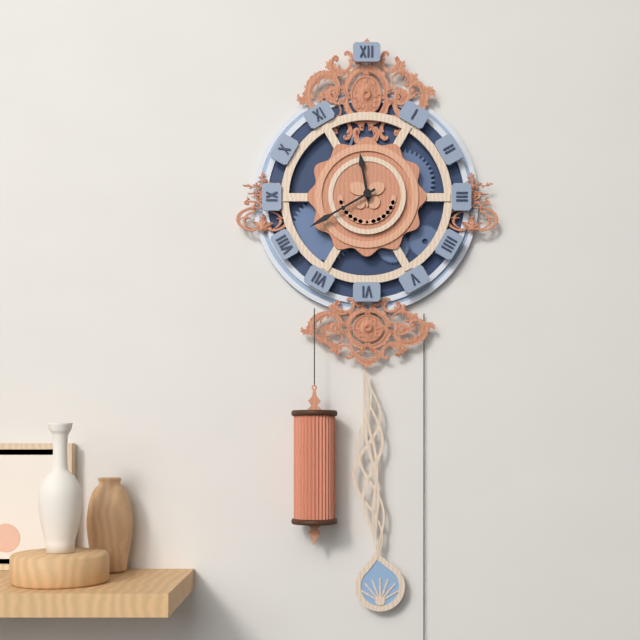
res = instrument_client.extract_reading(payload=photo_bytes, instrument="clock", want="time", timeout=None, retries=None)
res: 11:40
